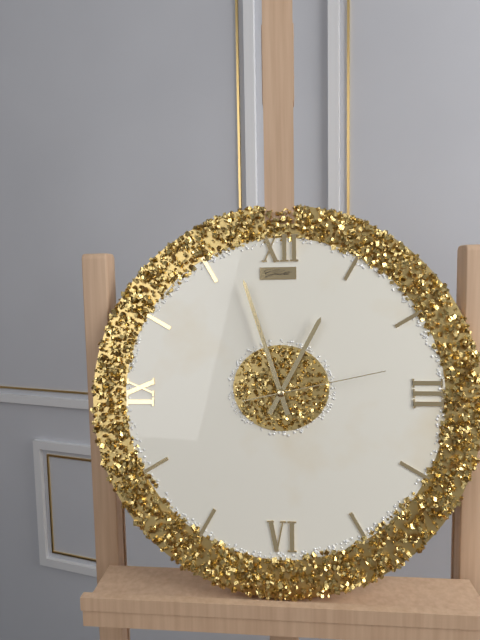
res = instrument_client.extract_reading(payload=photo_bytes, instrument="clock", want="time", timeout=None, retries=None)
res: 12:57:13
